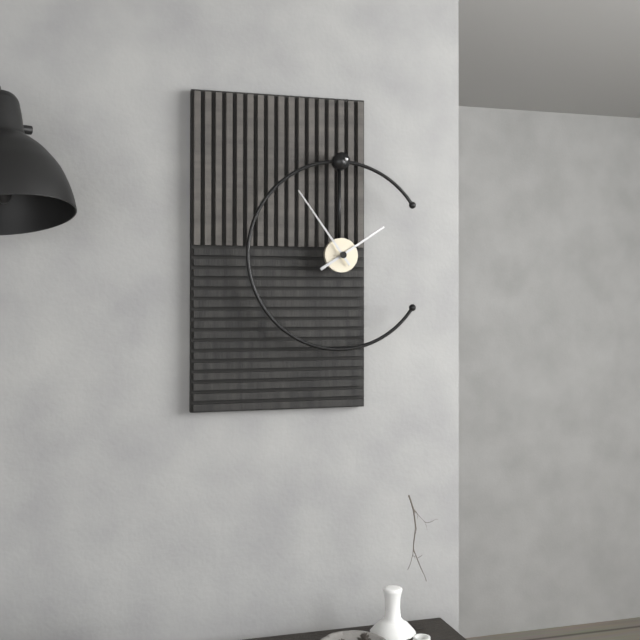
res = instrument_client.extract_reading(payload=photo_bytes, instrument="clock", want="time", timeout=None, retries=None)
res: 1:54
